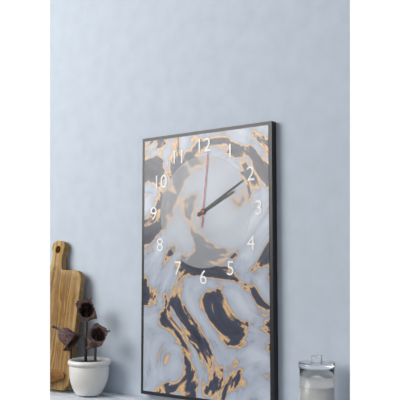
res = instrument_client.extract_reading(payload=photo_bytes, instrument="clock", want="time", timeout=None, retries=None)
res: 2:10:01
